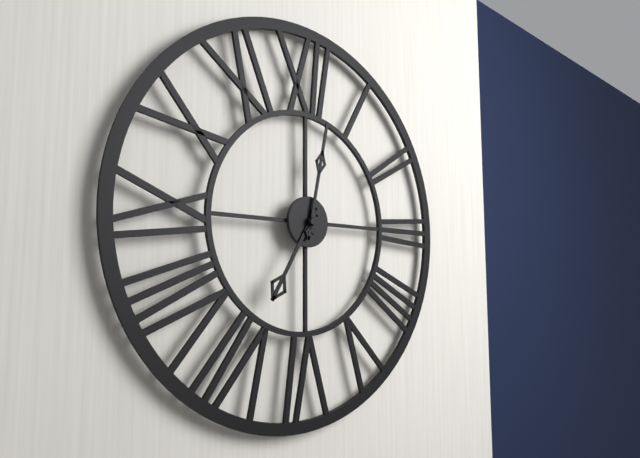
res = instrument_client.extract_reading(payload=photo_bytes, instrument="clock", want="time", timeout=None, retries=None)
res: 7:02
